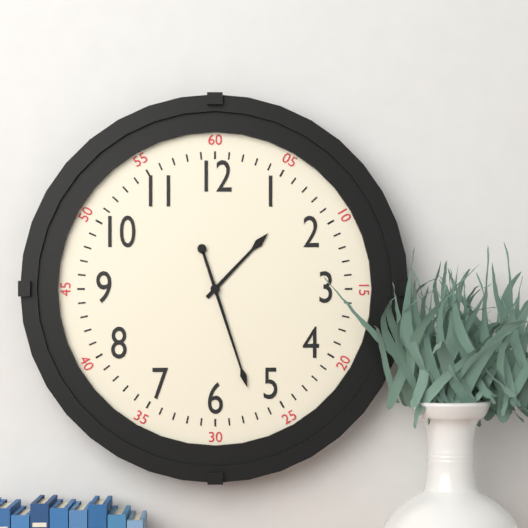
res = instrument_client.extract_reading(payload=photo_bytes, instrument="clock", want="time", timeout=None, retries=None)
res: 1:27
